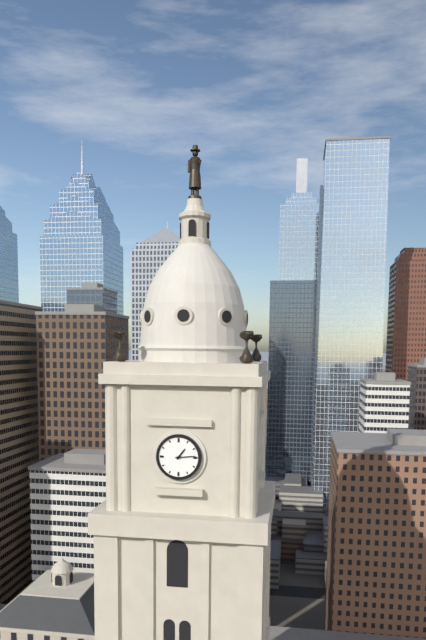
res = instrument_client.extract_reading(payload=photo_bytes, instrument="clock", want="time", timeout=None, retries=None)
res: 1:14
